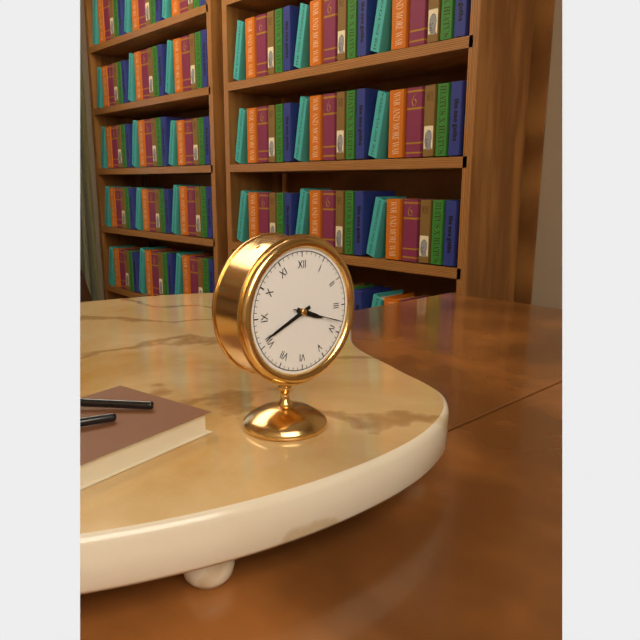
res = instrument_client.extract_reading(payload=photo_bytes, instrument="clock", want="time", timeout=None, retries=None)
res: 3:41
